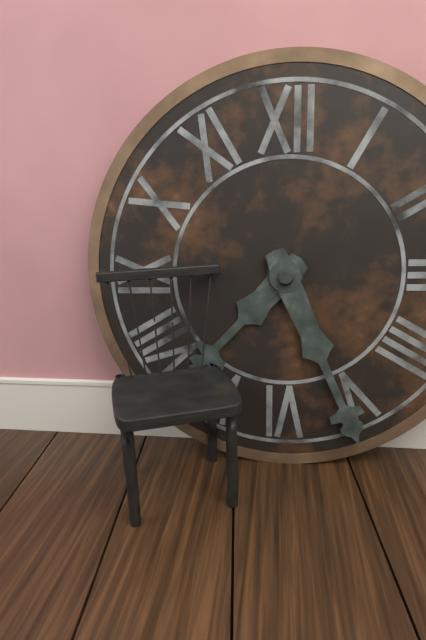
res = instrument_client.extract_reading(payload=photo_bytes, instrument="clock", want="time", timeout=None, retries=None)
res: 7:26
